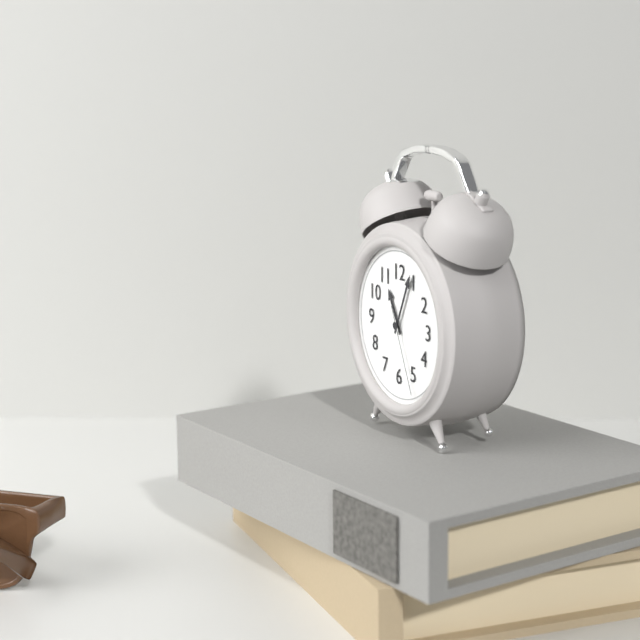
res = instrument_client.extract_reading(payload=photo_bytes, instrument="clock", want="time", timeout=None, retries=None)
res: 11:04:26
